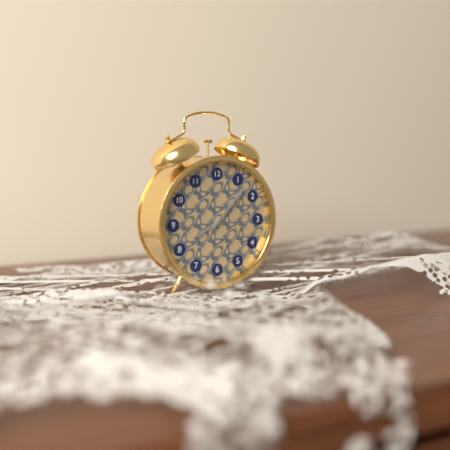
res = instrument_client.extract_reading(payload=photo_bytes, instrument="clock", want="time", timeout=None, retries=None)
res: 8:07
